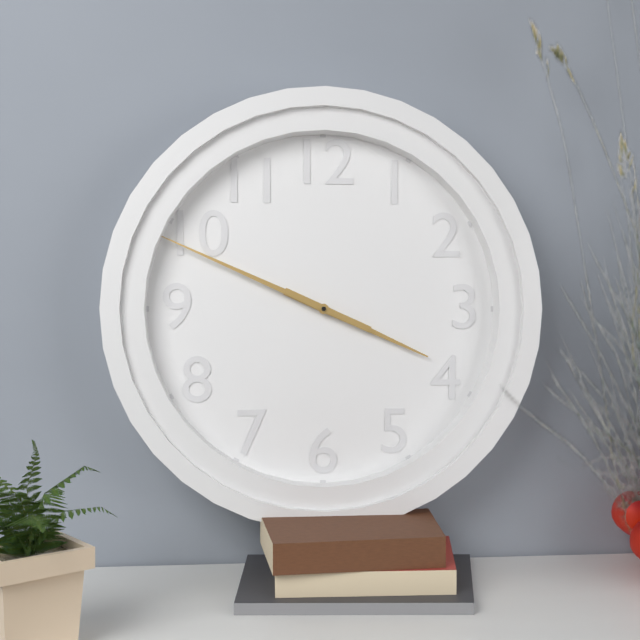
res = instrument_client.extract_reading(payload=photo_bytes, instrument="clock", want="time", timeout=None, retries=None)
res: 3:49
